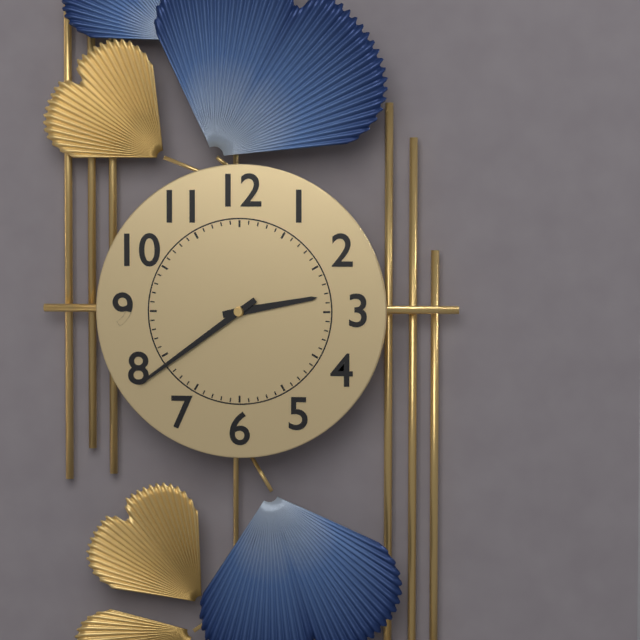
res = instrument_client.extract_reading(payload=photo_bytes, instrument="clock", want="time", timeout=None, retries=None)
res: 2:39
